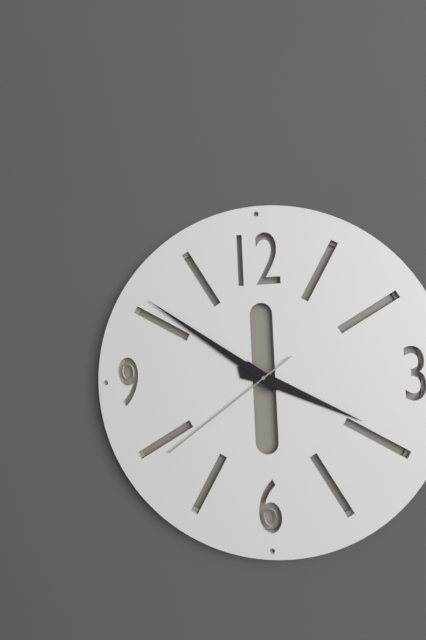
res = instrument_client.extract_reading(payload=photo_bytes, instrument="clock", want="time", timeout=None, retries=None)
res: 3:51:39
